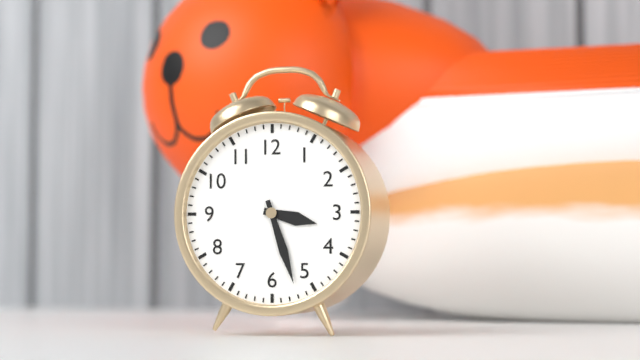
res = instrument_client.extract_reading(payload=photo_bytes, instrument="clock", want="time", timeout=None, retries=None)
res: 3:27
